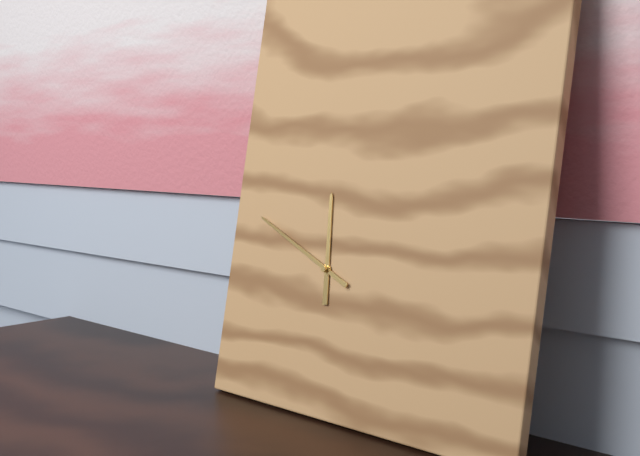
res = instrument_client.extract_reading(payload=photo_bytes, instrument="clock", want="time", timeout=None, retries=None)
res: 11:49
